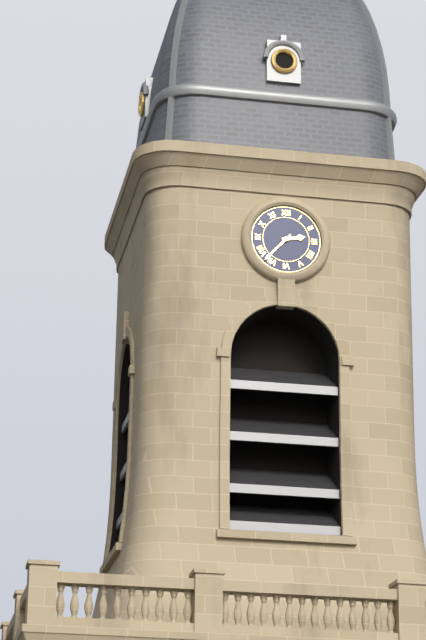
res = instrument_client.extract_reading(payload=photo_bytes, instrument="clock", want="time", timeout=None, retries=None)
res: 2:37
